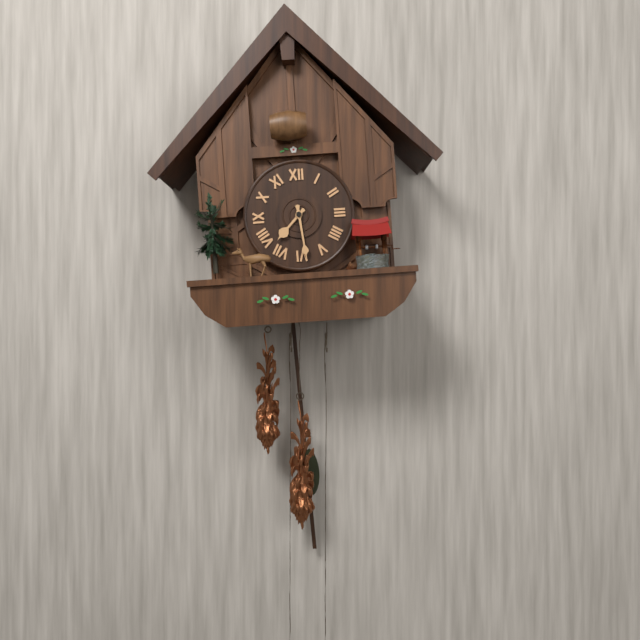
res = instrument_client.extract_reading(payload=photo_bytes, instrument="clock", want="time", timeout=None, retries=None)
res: 7:29
